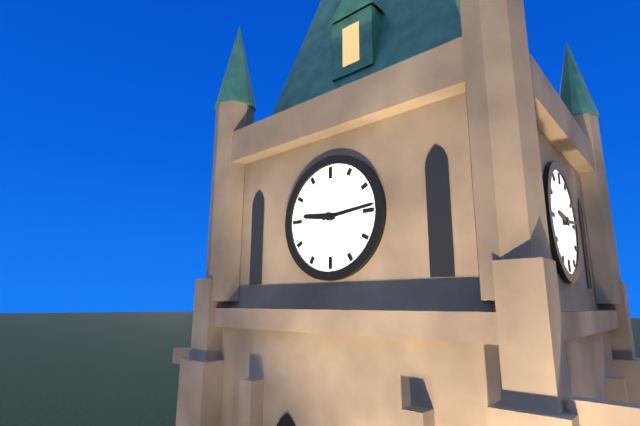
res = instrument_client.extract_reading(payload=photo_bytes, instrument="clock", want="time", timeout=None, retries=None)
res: 9:14
